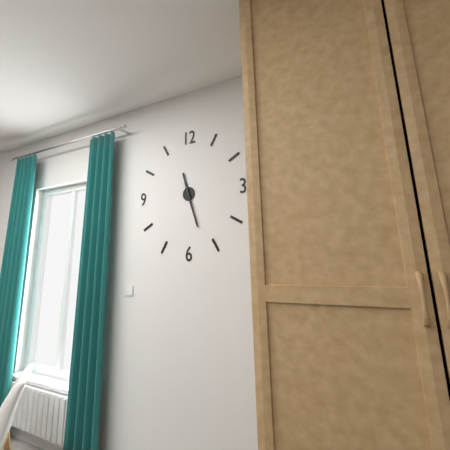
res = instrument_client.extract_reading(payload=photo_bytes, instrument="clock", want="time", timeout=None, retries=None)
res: 11:27
